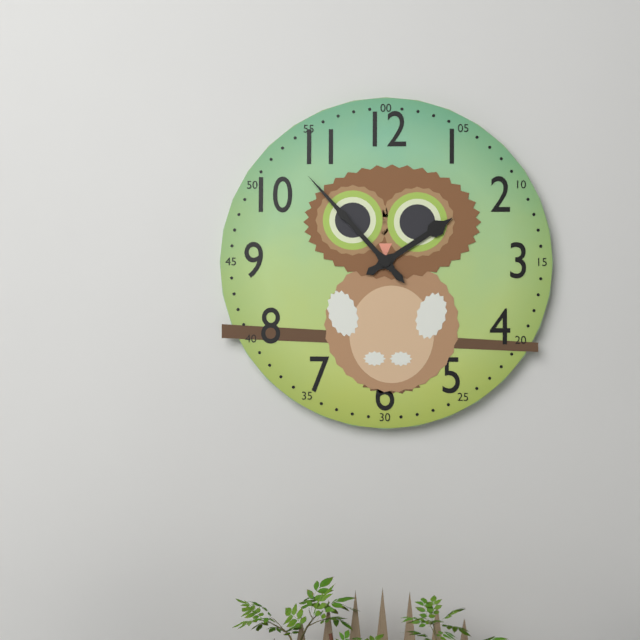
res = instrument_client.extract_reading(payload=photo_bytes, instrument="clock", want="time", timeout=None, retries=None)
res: 1:53
